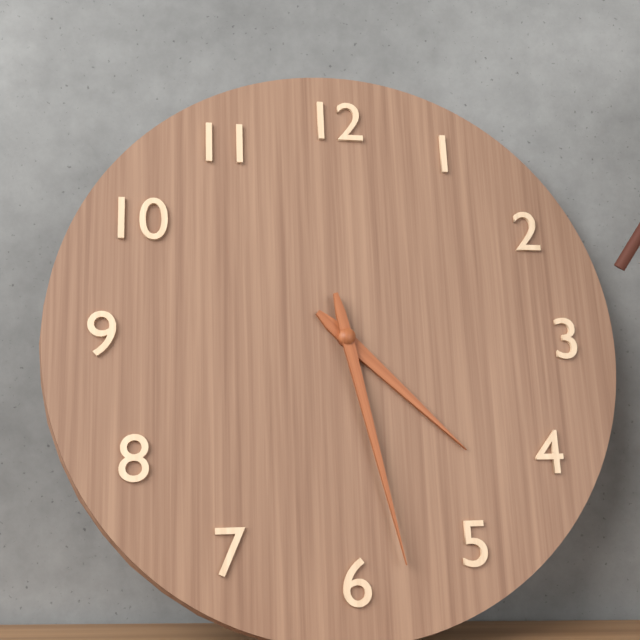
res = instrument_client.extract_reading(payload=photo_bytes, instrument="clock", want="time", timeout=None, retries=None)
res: 4:28
